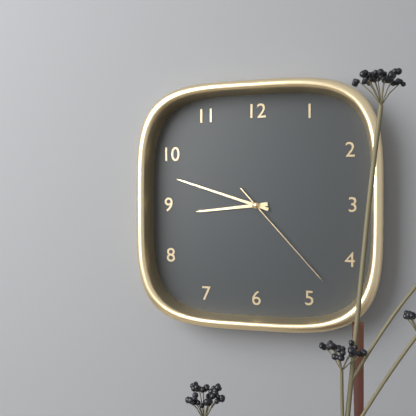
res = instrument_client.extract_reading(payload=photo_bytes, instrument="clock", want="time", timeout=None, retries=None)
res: 8:48:23
